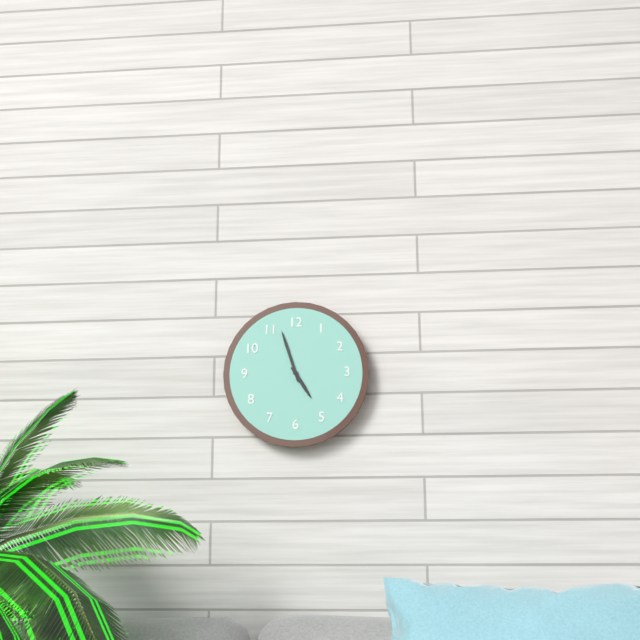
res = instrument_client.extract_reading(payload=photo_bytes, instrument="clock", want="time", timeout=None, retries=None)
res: 4:57
